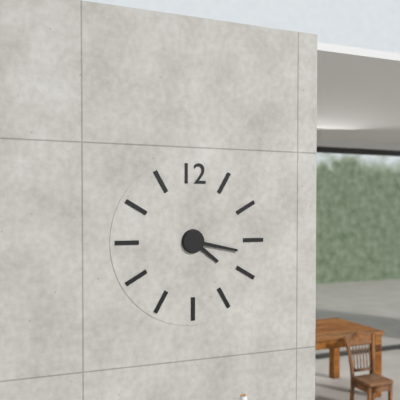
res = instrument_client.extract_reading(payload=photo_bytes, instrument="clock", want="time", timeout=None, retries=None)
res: 4:17
